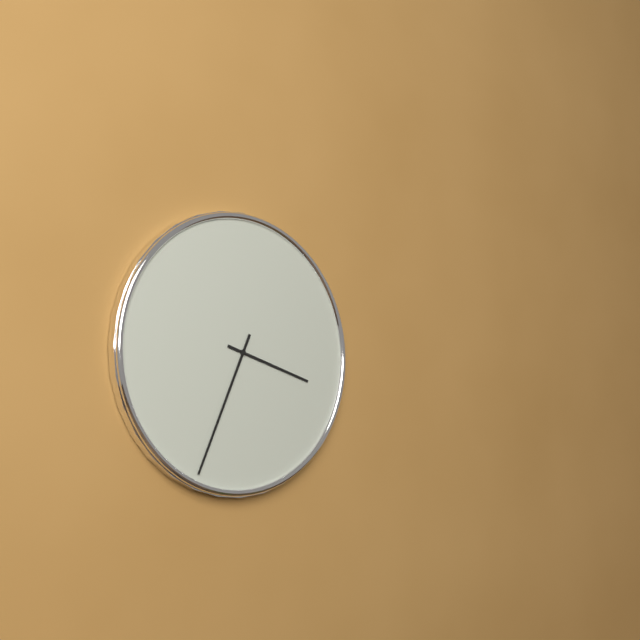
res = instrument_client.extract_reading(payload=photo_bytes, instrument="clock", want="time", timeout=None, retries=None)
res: 3:34
